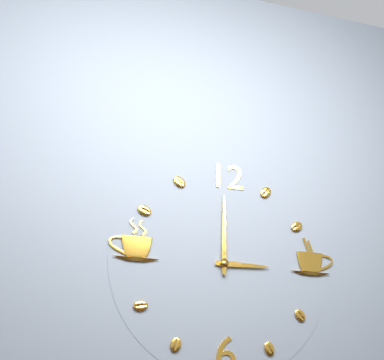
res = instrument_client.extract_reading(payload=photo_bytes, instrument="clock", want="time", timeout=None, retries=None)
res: 3:00
